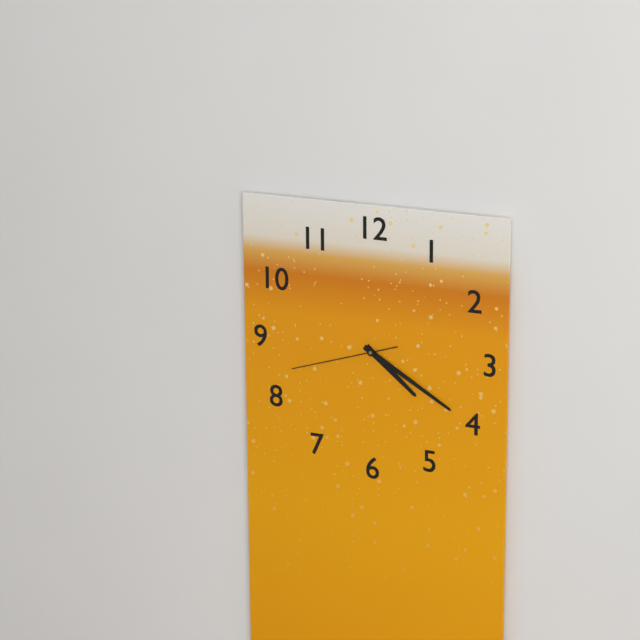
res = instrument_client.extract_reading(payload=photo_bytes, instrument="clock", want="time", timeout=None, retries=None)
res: 4:20:42
